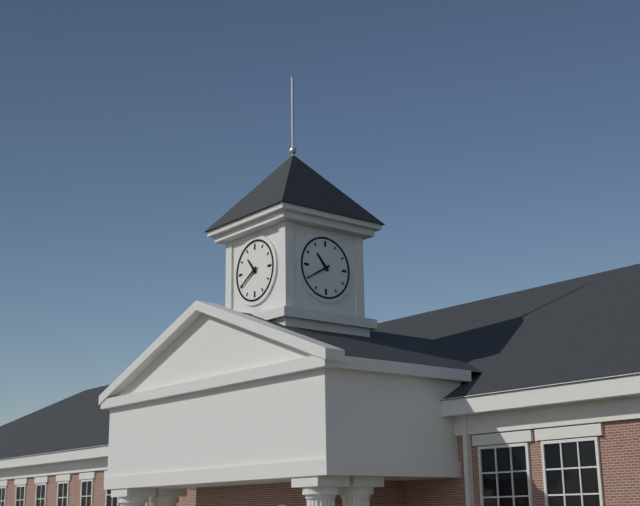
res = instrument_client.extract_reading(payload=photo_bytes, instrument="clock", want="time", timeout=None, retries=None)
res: 10:40
